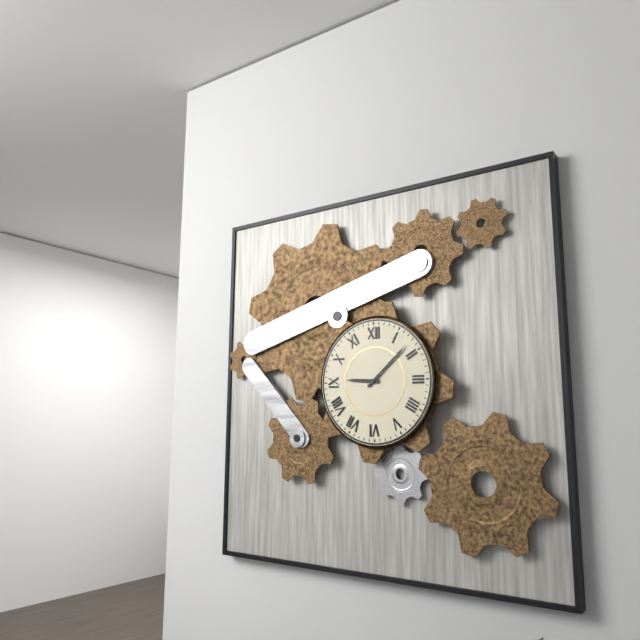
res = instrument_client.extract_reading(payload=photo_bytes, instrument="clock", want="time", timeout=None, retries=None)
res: 9:08
